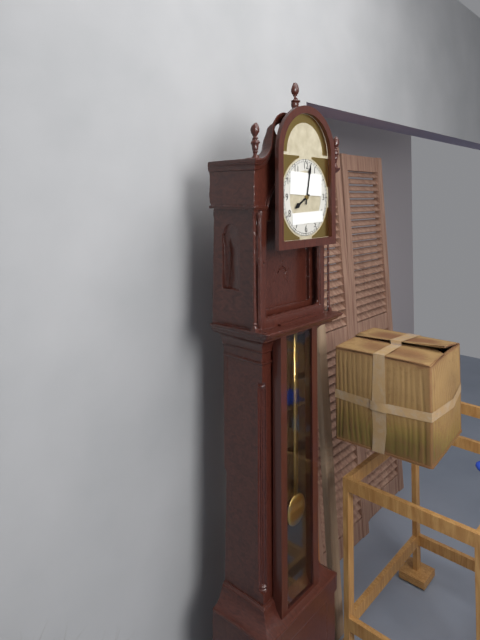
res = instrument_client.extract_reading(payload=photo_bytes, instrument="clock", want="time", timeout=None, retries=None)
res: 8:02
